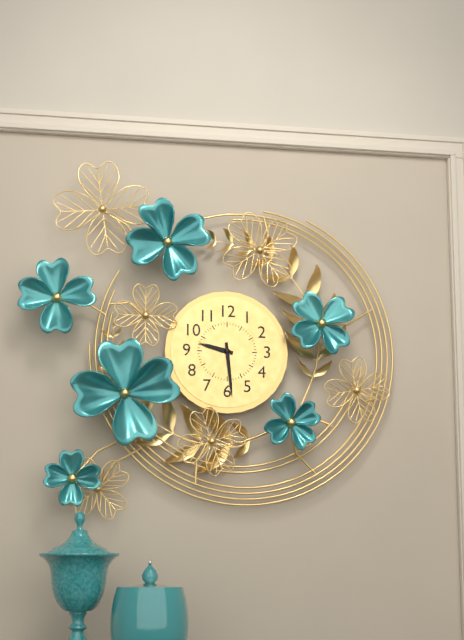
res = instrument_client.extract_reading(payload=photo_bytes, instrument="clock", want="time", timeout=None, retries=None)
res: 9:29
